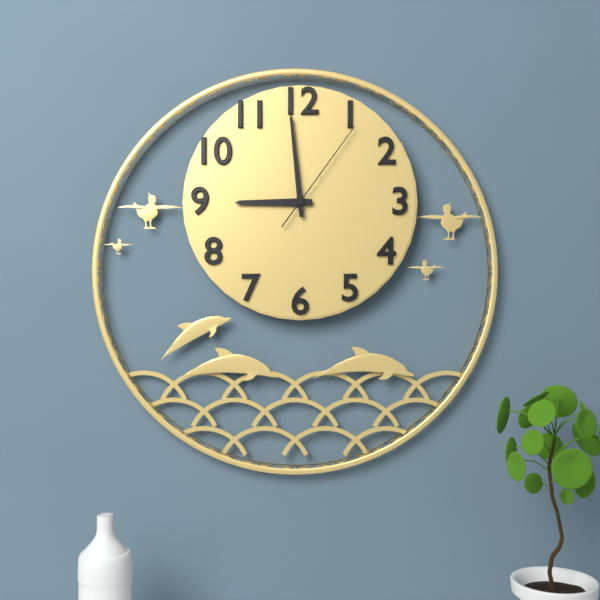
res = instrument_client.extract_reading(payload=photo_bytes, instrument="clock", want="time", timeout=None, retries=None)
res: 8:59:06
